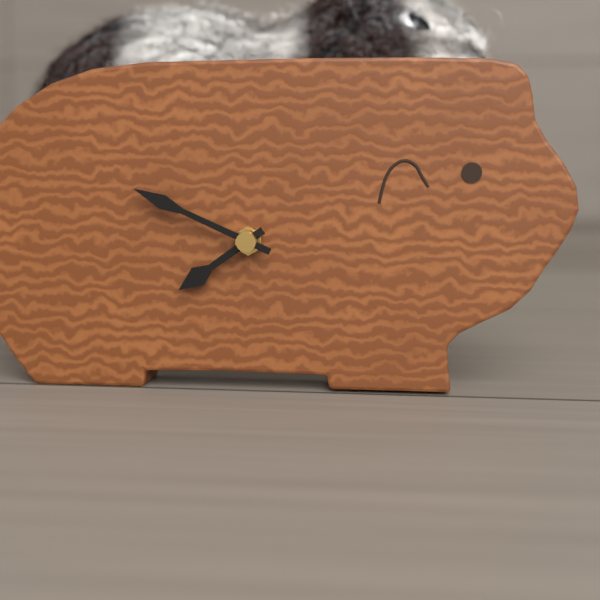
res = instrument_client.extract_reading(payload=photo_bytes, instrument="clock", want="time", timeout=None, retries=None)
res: 7:49
